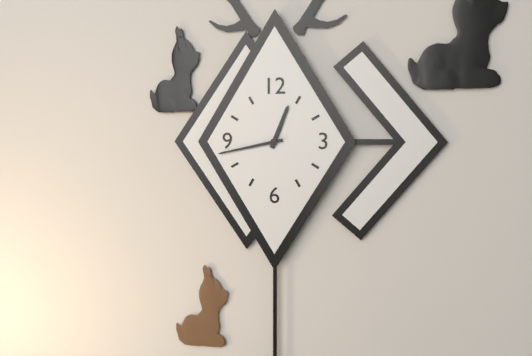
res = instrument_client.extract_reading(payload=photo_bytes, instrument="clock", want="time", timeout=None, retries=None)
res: 12:43
